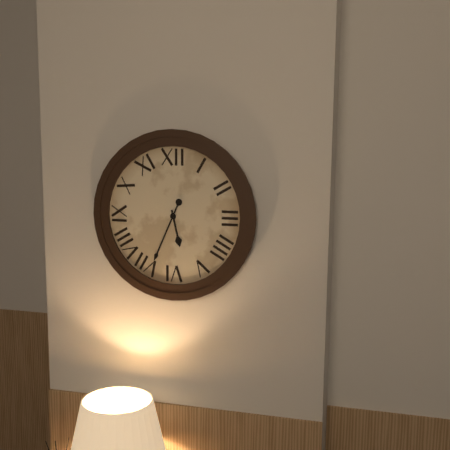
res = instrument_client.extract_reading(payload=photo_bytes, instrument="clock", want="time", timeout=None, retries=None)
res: 5:34
